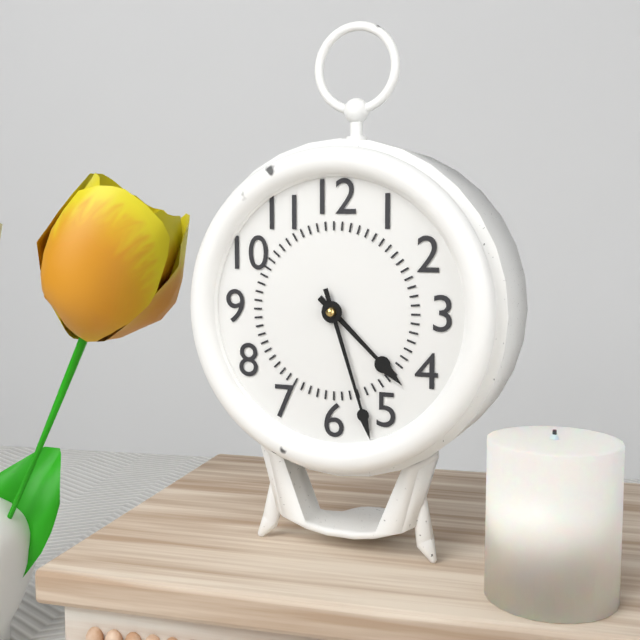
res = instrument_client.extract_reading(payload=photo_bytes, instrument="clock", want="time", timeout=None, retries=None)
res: 4:27
